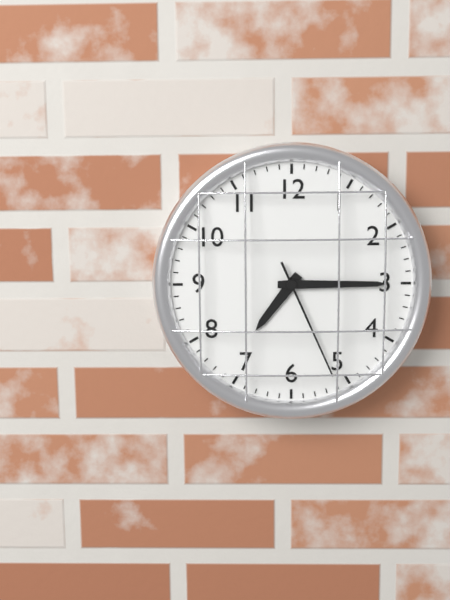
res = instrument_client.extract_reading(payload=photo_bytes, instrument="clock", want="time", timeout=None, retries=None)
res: 7:15:26
